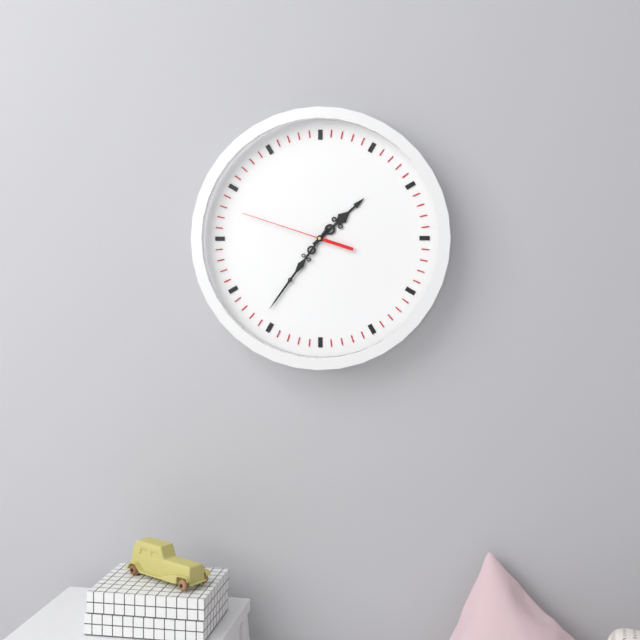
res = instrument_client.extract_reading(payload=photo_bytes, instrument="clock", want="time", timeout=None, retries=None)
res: 1:36:48
